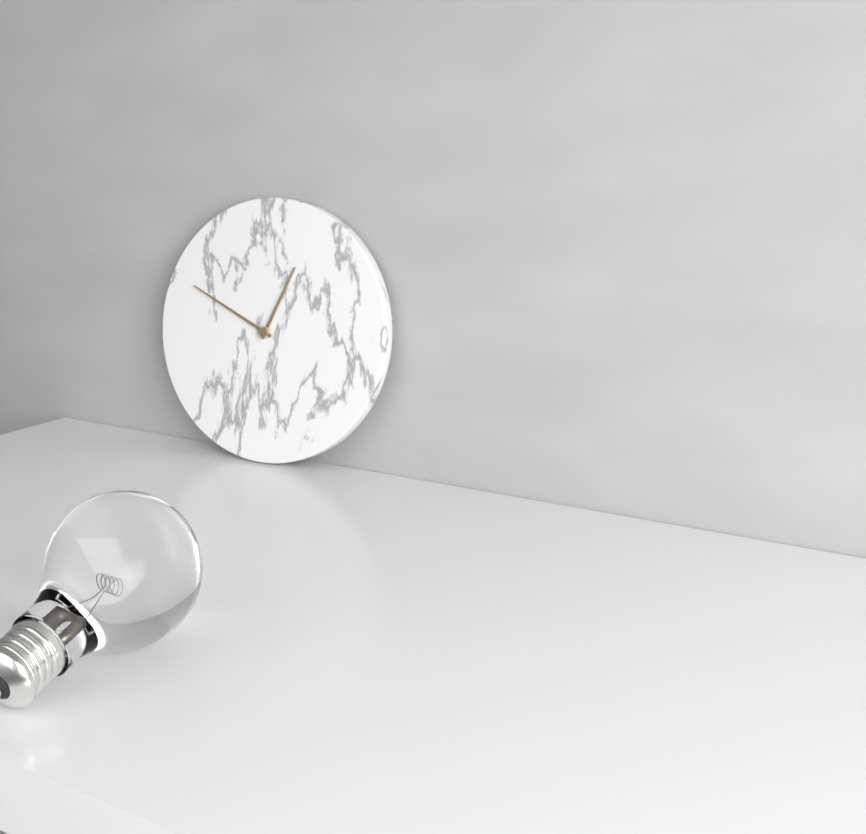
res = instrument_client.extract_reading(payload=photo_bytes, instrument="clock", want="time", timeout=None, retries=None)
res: 12:49
